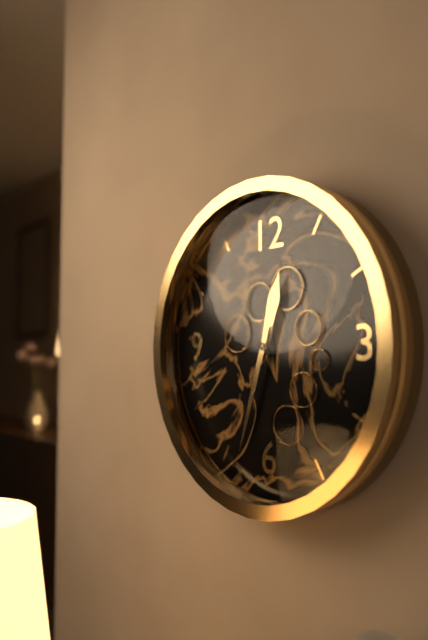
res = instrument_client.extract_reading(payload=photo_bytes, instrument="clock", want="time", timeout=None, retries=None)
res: 12:33
